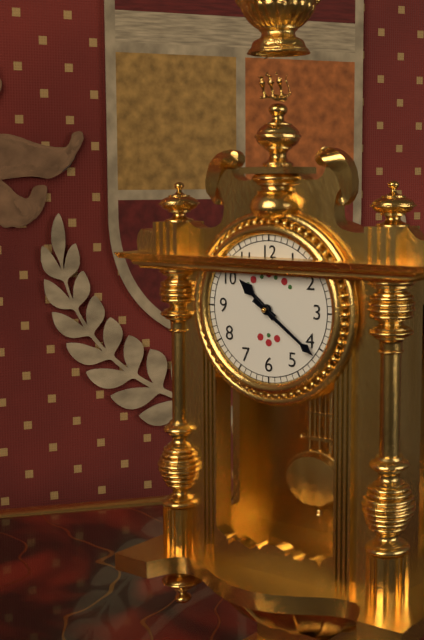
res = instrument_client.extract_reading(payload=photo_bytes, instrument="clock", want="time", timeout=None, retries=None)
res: 10:21
